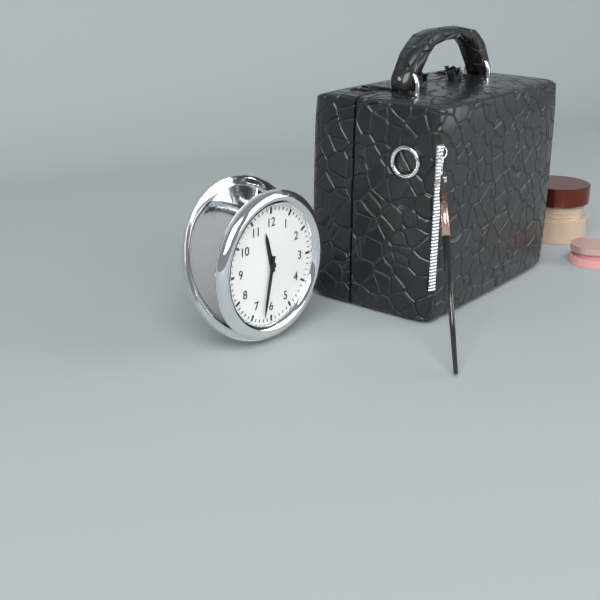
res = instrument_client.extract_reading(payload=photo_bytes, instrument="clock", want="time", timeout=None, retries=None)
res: 11:32
